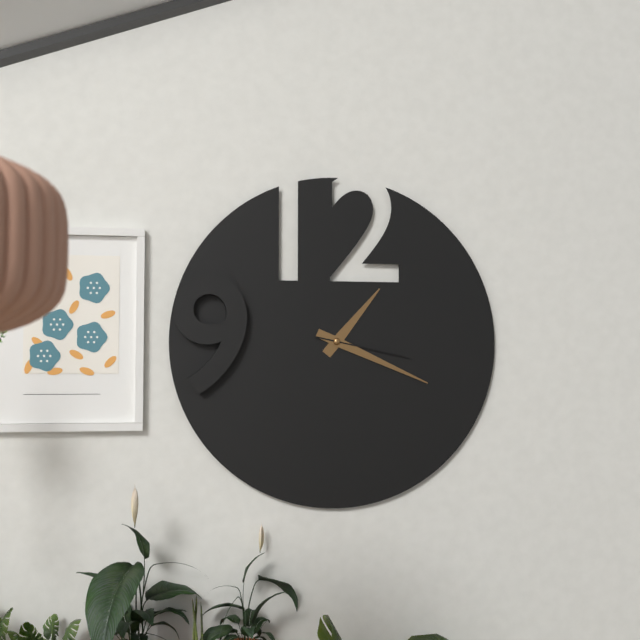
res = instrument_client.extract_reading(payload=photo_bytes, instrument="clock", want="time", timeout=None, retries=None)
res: 1:19:17
